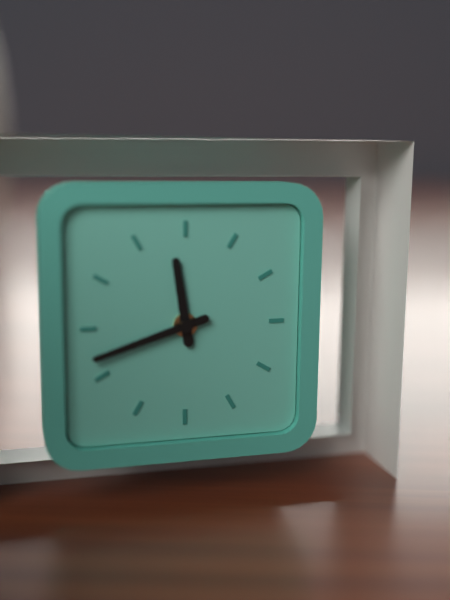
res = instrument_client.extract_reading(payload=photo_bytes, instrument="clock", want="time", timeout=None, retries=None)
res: 11:42
